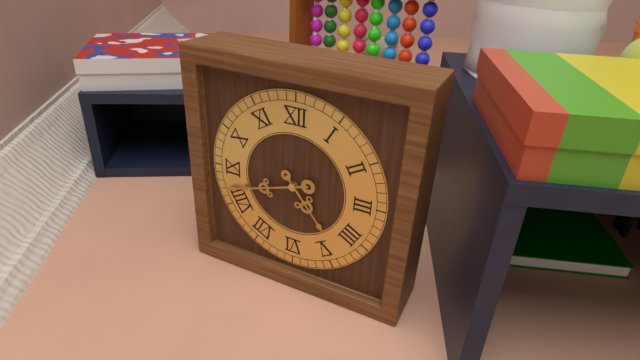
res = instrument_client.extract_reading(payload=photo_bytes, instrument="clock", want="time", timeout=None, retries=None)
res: 4:42
